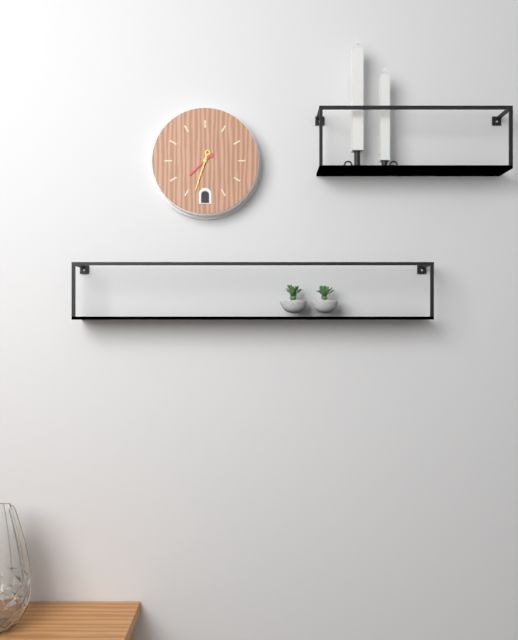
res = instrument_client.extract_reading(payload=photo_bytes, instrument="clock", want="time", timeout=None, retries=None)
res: 7:33
